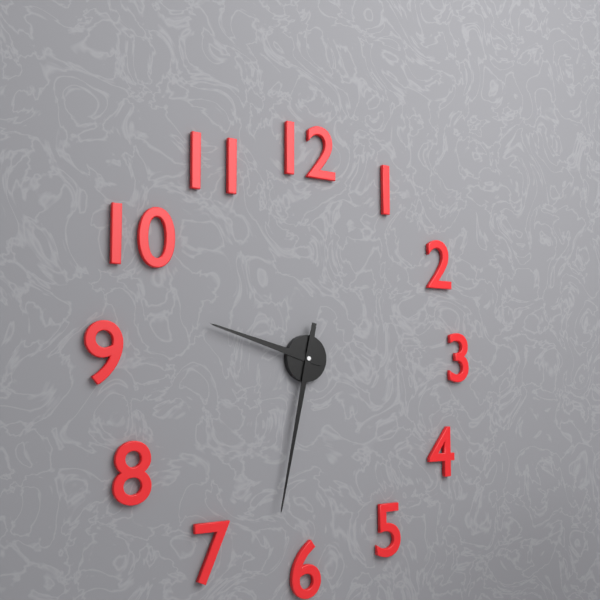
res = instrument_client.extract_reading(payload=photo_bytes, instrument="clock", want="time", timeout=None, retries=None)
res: 9:32
